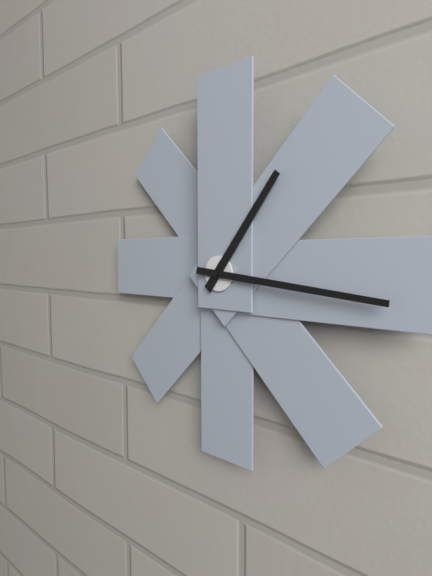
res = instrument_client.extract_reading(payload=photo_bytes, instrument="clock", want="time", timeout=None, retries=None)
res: 1:16
